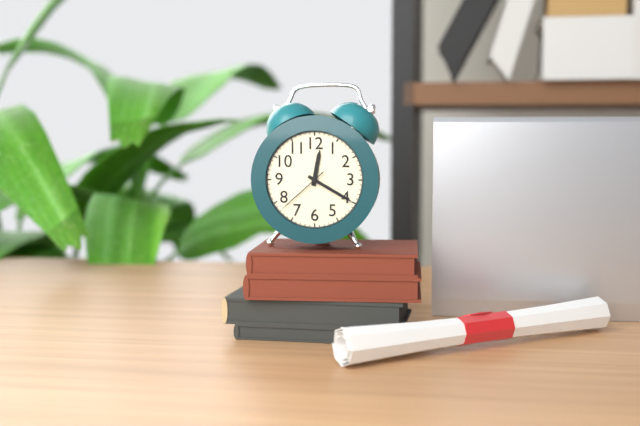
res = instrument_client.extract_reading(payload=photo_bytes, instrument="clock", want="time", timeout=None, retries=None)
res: 12:20:38
